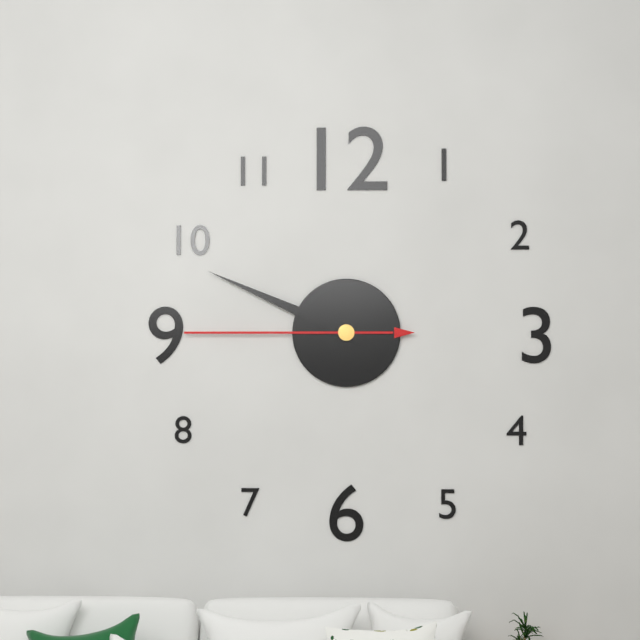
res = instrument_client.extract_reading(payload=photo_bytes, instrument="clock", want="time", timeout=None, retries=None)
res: 9:49:45
